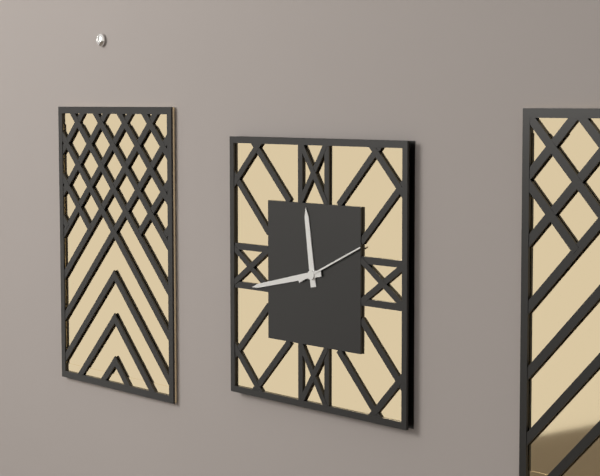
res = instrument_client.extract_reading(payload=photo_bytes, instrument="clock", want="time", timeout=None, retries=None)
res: 11:43:11
